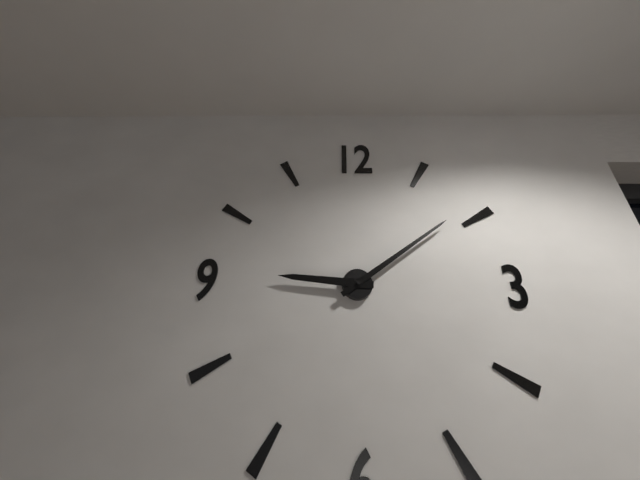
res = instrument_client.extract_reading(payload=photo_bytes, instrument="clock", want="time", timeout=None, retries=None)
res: 9:09
